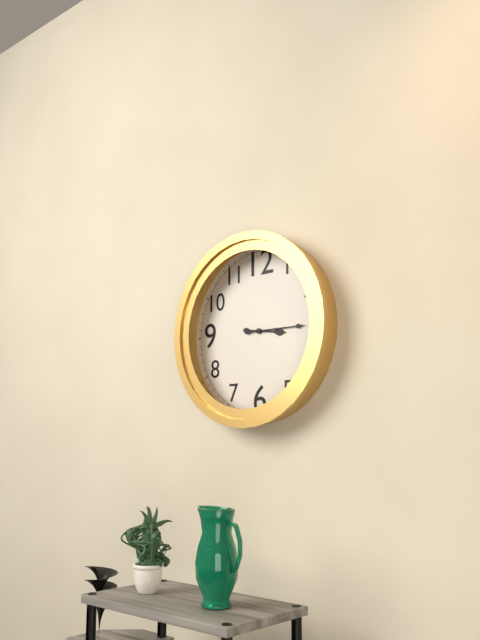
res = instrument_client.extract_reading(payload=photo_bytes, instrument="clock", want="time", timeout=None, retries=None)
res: 3:15
